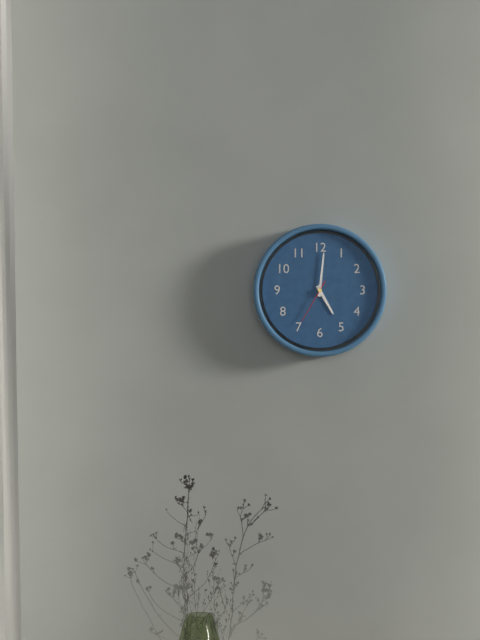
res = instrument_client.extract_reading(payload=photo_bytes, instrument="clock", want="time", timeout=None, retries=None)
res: 5:01
